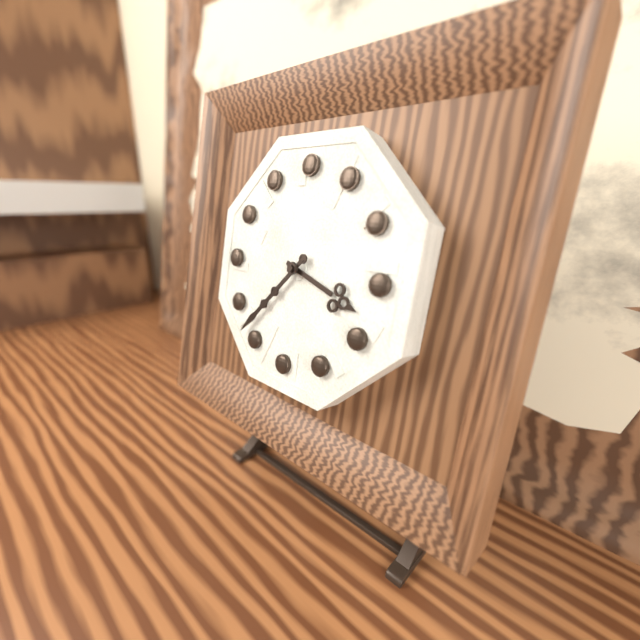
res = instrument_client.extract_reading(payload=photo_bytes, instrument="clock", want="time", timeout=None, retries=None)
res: 3:37
